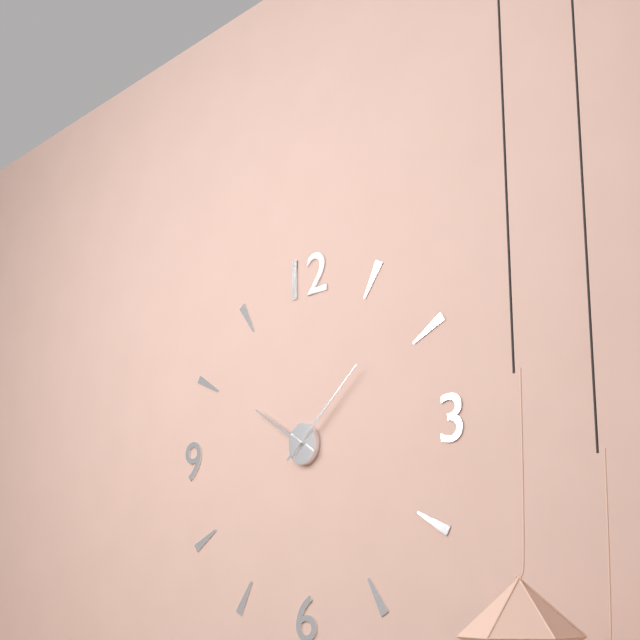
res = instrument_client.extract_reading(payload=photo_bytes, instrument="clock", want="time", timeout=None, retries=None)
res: 10:08
